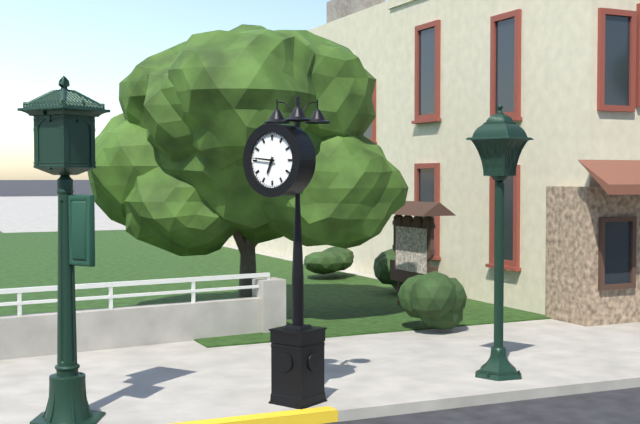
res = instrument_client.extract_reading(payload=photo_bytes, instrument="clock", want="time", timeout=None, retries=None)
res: 6:46
